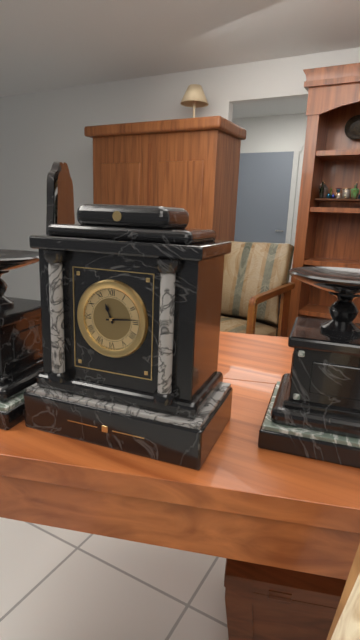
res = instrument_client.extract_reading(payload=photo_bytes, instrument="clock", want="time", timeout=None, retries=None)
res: 11:14
